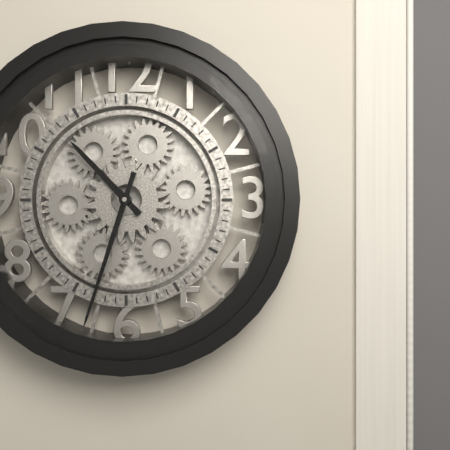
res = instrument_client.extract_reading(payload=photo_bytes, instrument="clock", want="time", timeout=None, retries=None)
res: 10:33
